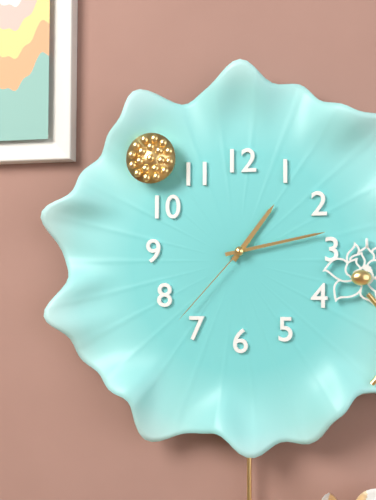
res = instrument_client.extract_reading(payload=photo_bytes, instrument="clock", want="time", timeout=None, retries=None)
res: 1:13:37
